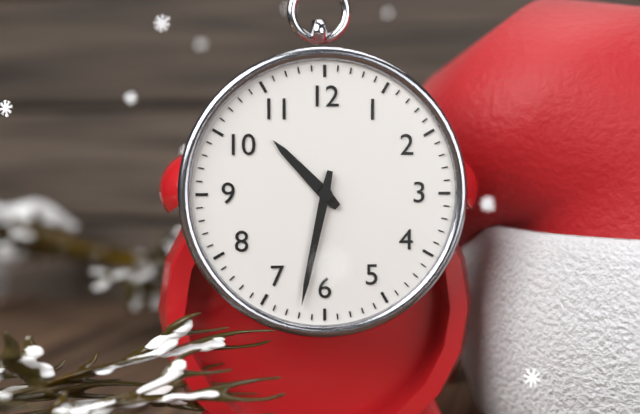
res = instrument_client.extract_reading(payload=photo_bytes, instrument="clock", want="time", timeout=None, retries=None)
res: 10:32
